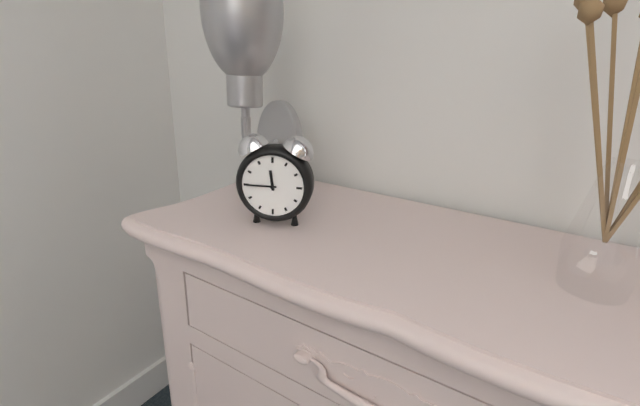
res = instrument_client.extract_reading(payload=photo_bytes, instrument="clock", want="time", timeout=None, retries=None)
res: 11:45
